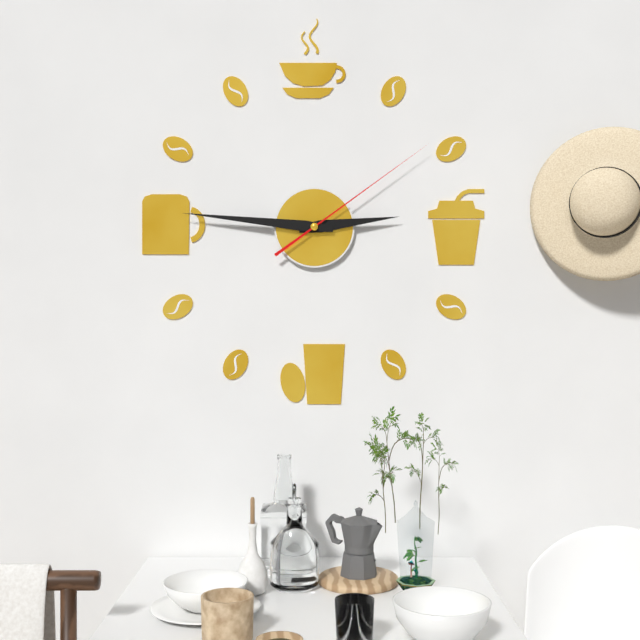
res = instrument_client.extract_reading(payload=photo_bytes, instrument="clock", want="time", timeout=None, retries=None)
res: 2:46:09
